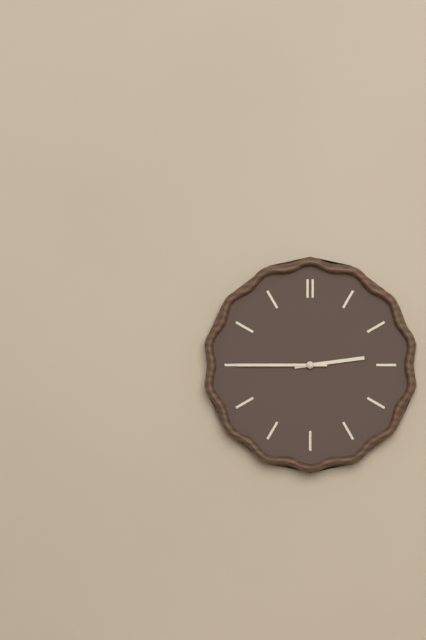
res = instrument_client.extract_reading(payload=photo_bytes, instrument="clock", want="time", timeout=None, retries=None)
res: 2:45
